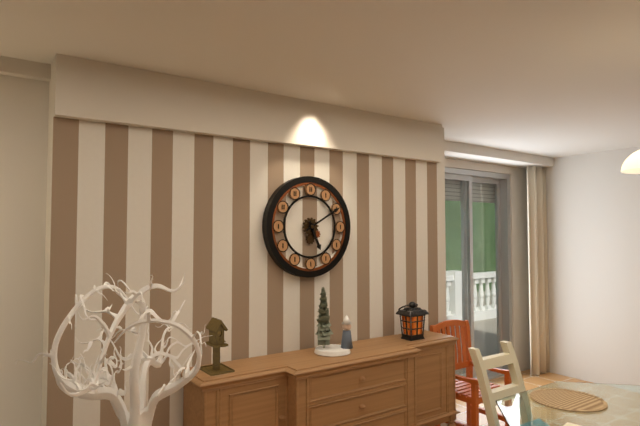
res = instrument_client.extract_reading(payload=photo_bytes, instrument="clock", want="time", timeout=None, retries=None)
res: 5:10
